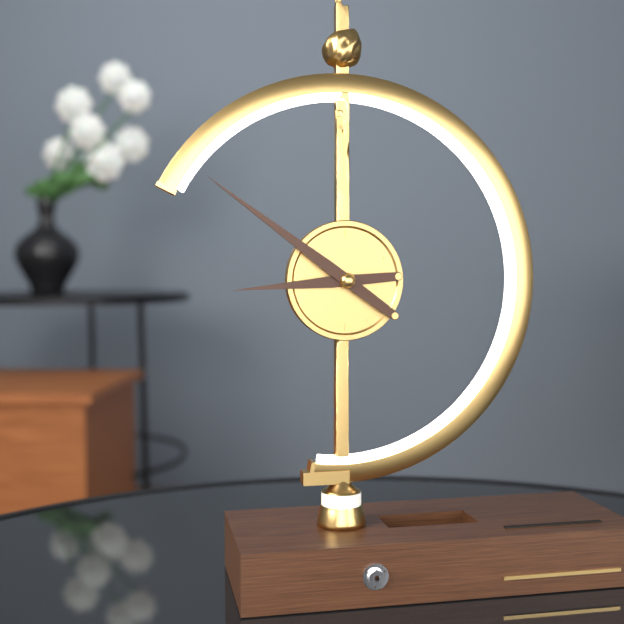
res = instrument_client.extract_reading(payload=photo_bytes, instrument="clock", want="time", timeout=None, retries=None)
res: 8:51
